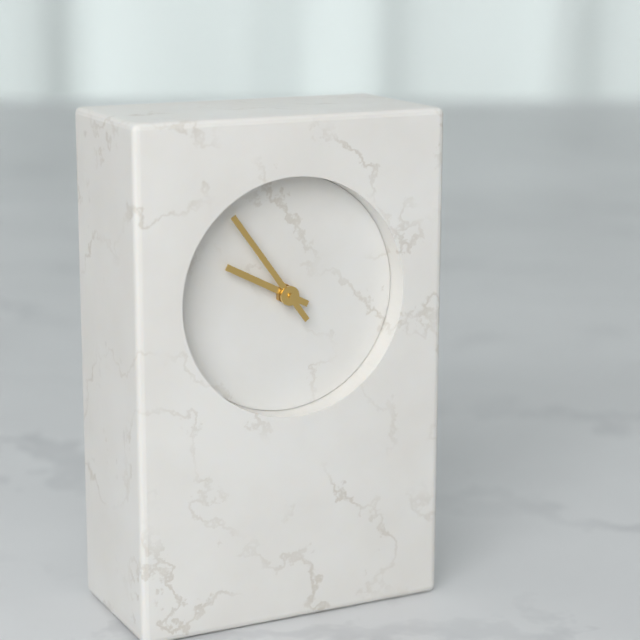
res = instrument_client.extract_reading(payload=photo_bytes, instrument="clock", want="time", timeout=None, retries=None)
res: 9:54
